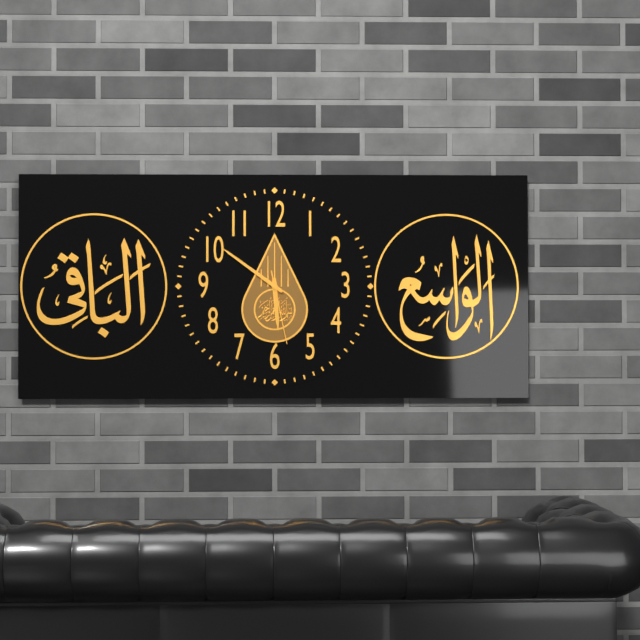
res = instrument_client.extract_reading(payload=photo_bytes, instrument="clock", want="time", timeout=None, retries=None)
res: 5:51:28
